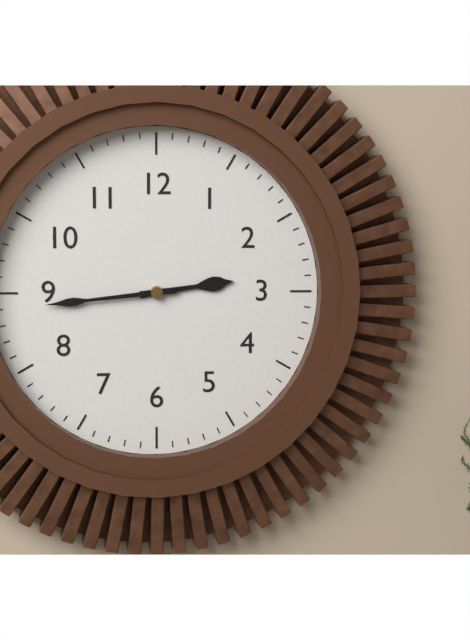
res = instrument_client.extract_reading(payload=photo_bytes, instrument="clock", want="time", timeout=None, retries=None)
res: 2:44
